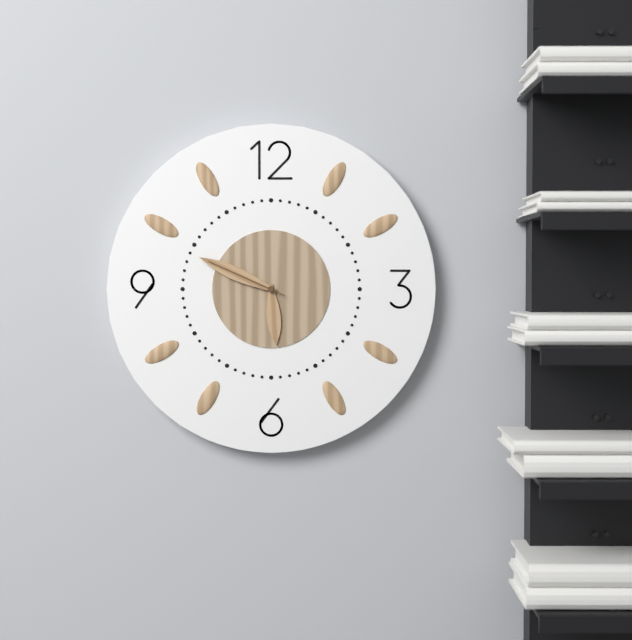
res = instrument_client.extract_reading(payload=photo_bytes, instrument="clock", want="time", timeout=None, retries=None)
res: 5:49:49
